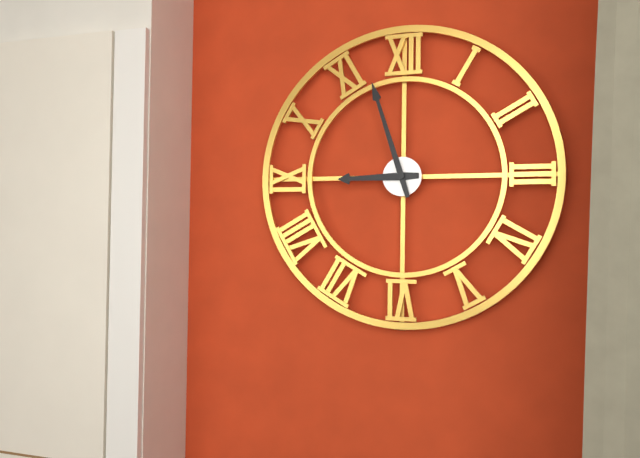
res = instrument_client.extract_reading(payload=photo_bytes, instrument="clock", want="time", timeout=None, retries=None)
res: 8:57
